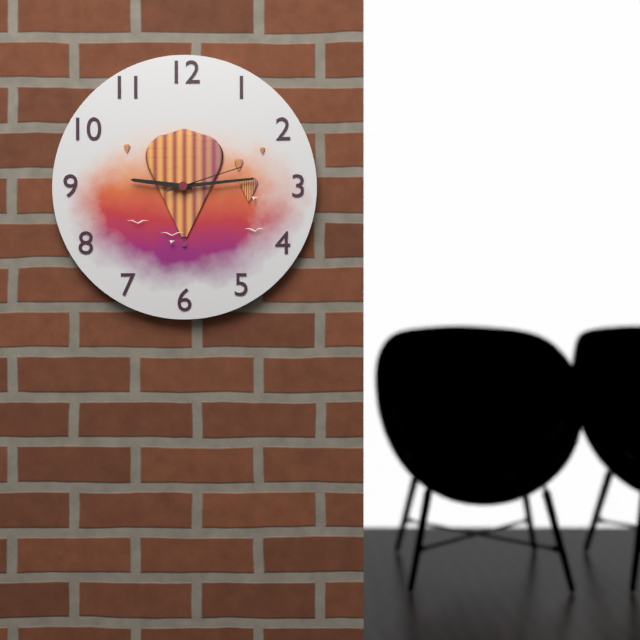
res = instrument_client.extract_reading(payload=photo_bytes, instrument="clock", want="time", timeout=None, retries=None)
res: 9:14:12
